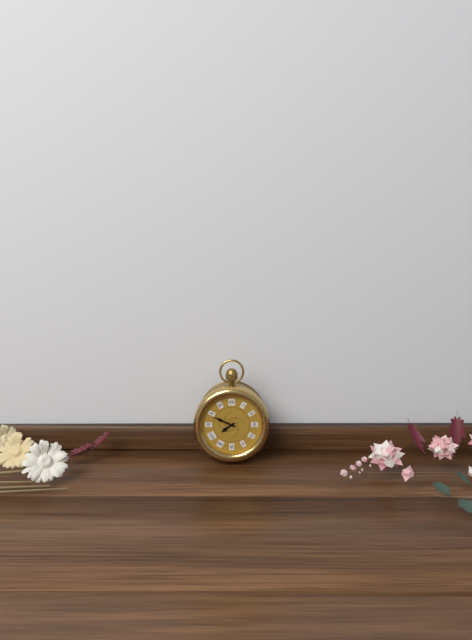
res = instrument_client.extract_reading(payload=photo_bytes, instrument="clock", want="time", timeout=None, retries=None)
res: 7:49
